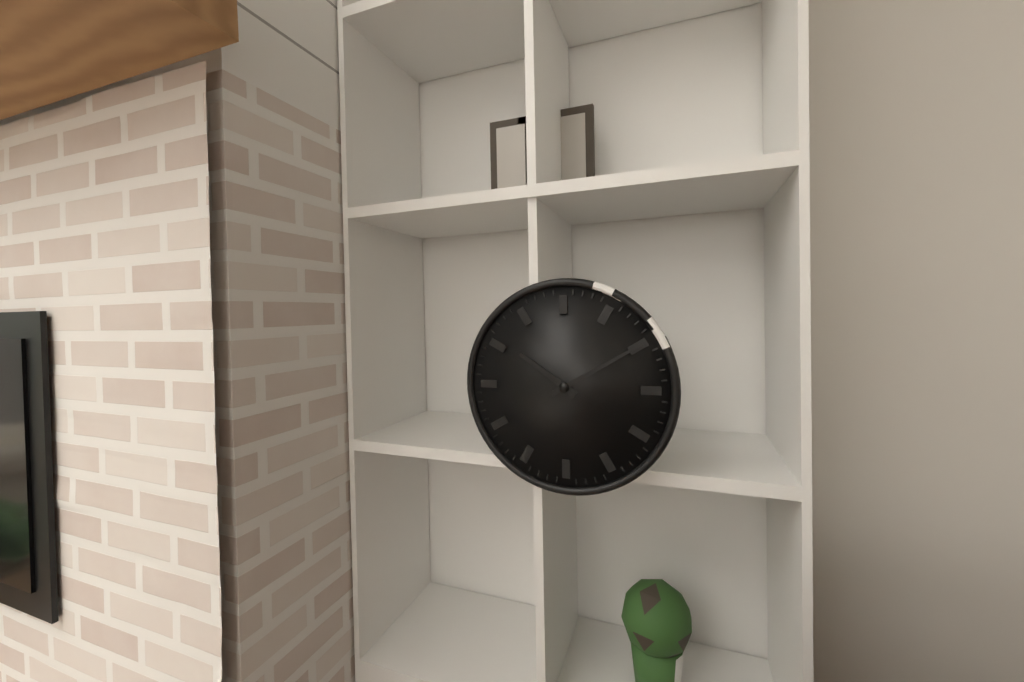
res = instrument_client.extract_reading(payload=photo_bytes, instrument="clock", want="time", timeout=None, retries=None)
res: 10:10
